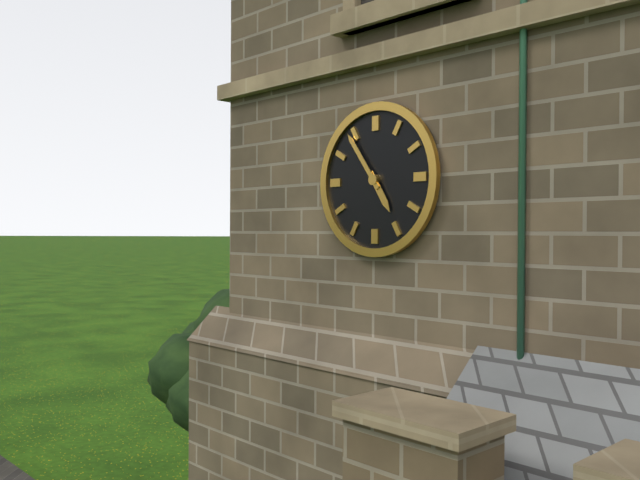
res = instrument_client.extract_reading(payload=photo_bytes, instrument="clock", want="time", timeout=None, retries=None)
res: 4:54
